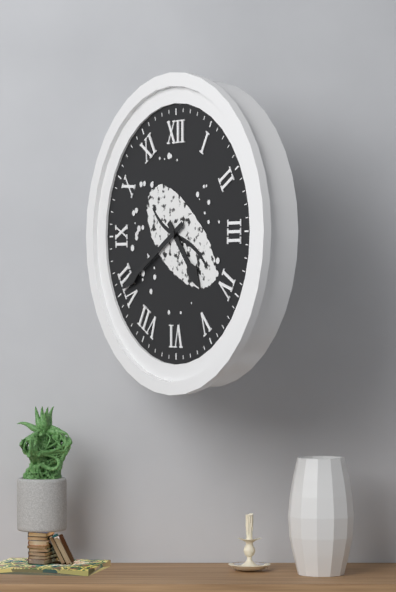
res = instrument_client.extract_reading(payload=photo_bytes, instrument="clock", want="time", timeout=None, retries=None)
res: 4:40
